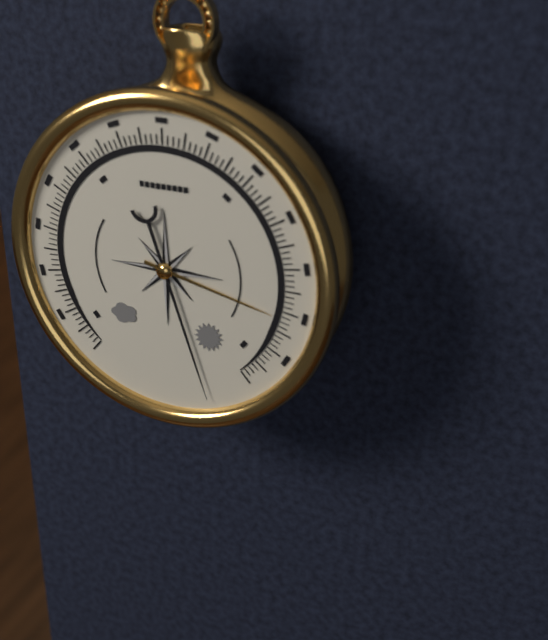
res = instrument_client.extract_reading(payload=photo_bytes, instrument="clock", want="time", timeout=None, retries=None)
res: 3:27
